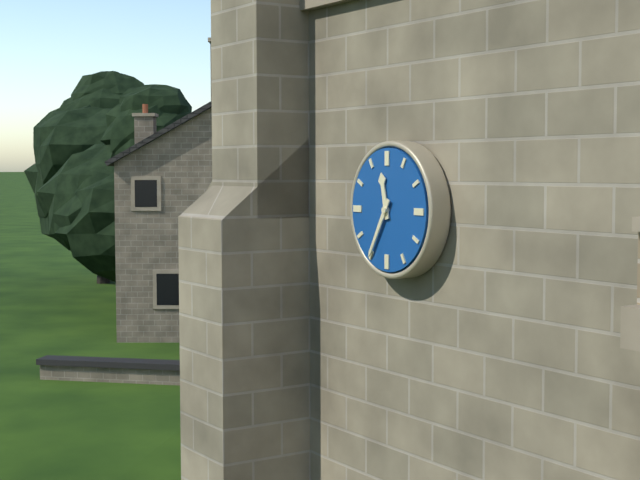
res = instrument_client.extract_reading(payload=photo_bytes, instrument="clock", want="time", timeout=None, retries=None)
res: 11:35
